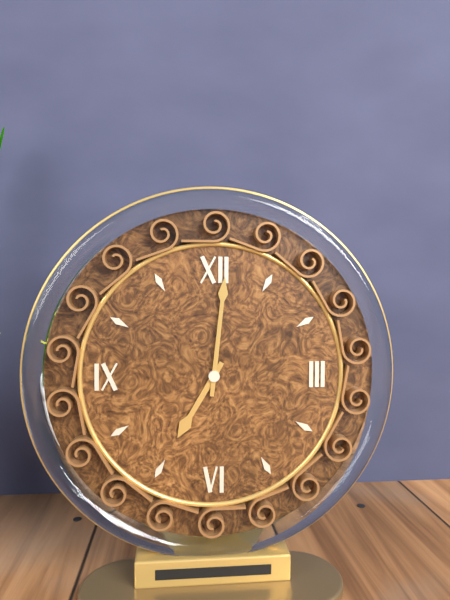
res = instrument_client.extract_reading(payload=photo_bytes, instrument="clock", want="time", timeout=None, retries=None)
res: 7:01
